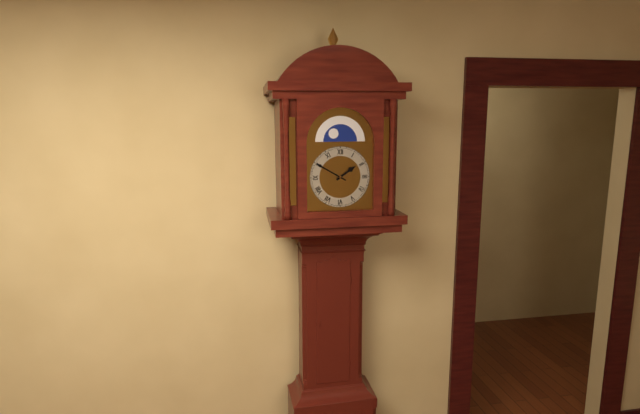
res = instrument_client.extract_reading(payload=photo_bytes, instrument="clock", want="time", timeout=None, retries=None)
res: 1:50
